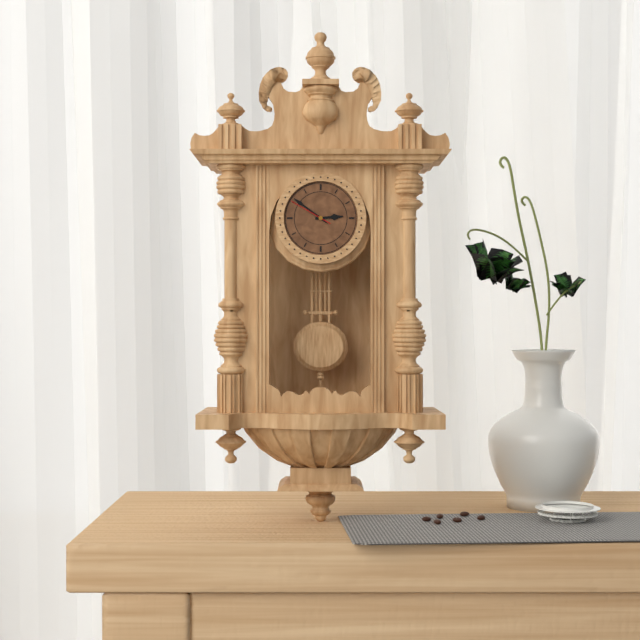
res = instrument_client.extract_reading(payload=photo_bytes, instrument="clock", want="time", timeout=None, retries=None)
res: 2:51
